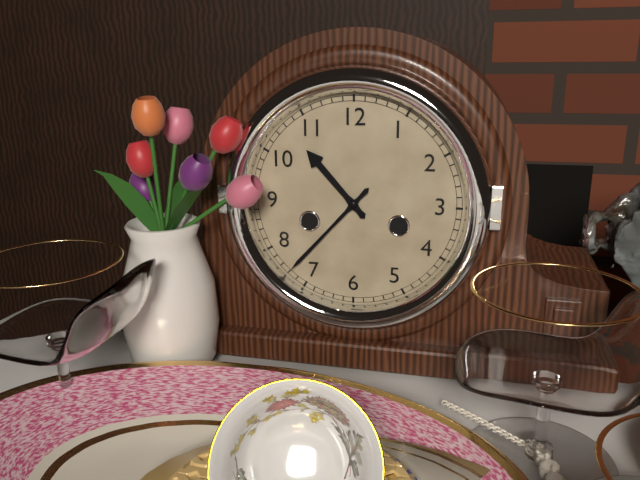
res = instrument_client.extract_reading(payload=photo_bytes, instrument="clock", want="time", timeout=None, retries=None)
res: 10:37
